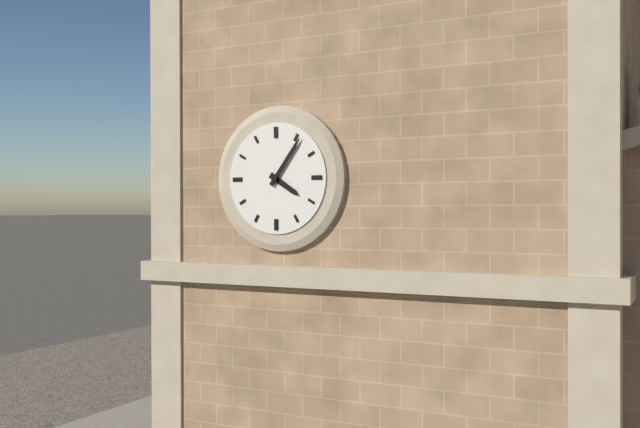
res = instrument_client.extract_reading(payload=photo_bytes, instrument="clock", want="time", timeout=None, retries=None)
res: 4:06
